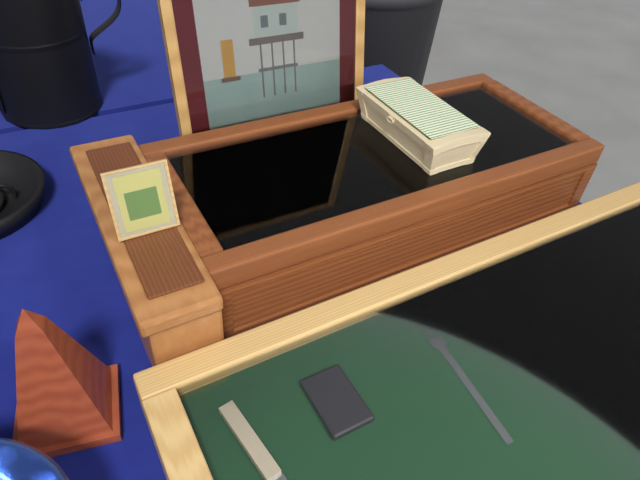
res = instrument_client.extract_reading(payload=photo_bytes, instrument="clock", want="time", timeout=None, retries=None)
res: 5:46
